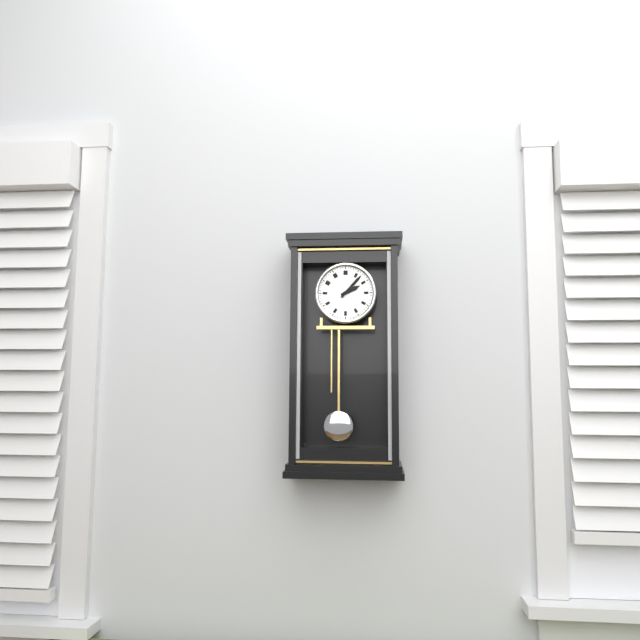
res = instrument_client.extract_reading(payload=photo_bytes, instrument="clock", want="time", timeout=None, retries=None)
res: 2:07
